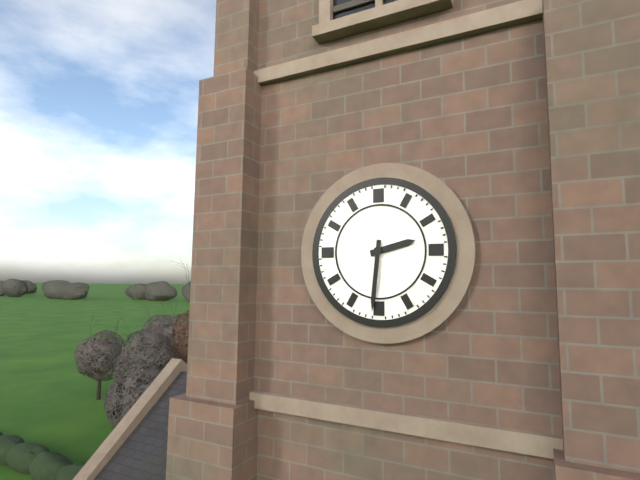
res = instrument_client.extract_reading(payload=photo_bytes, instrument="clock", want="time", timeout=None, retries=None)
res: 2:31
